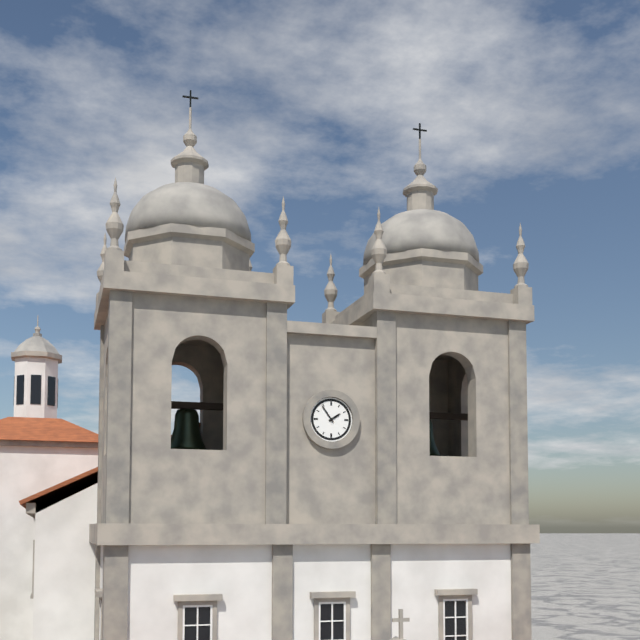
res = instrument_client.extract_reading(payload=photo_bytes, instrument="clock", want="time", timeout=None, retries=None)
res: 1:54
